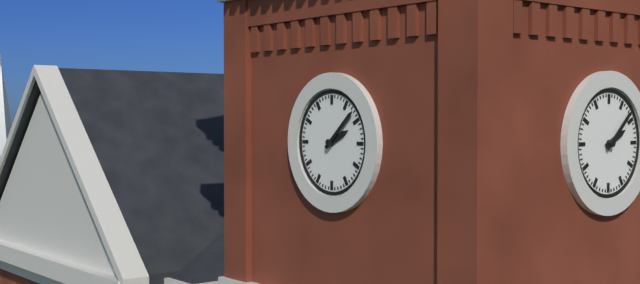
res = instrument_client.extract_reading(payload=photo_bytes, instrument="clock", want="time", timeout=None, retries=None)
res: 2:08
